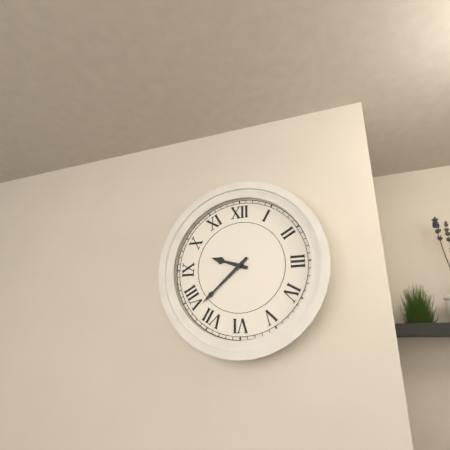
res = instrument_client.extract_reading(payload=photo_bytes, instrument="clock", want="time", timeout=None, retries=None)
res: 9:38
